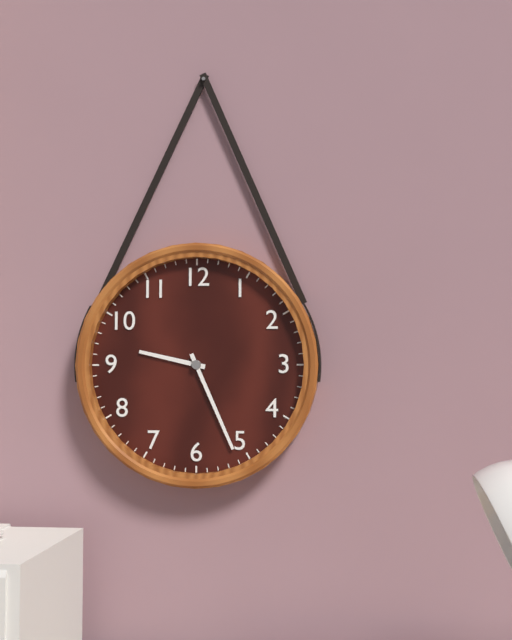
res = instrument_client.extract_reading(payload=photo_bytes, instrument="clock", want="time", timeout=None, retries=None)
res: 9:26
